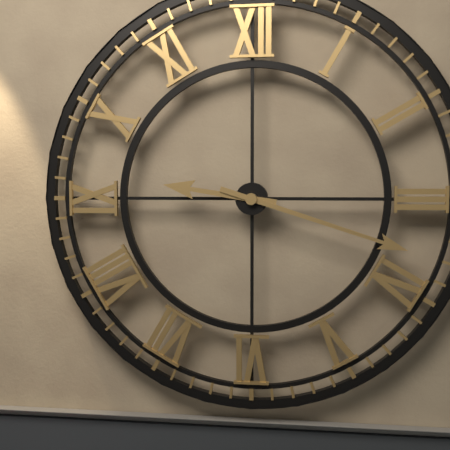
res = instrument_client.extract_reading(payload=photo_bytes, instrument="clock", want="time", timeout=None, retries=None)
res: 9:18
